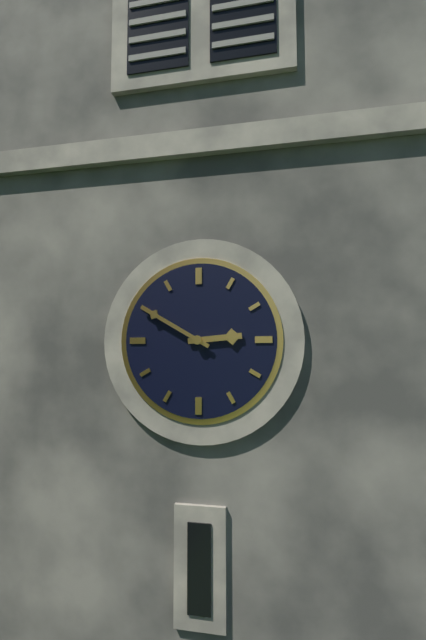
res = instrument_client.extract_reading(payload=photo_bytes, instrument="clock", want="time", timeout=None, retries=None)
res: 2:50
